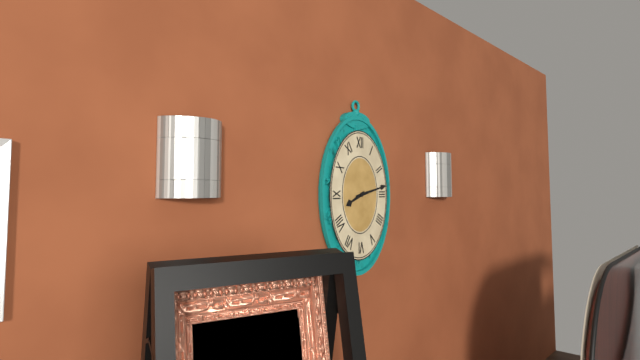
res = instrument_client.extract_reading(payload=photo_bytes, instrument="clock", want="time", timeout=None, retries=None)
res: 8:13
